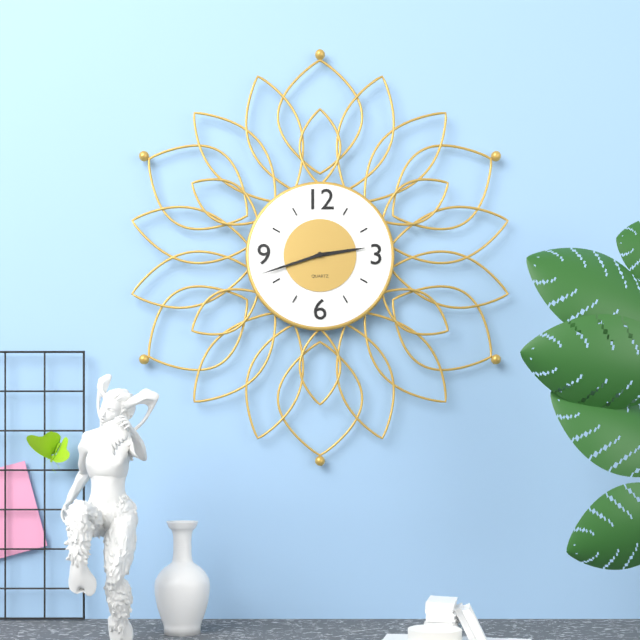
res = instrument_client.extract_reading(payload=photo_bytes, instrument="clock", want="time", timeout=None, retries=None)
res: 2:42
